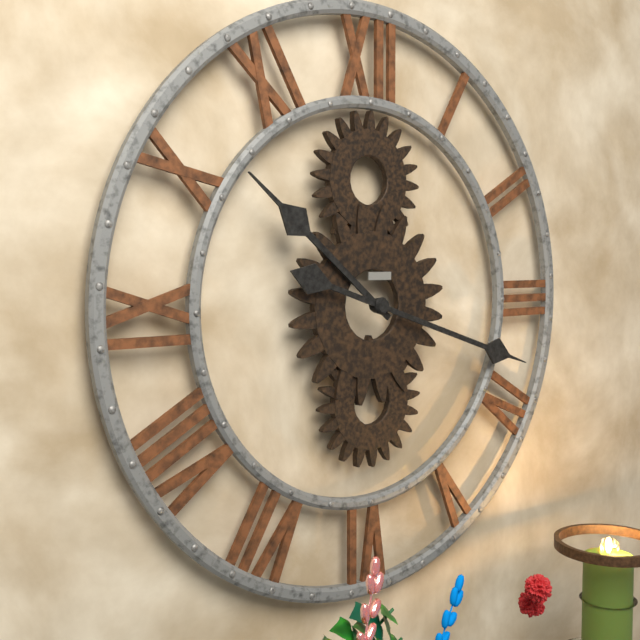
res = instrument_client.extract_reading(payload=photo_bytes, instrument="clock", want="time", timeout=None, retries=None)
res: 10:18
